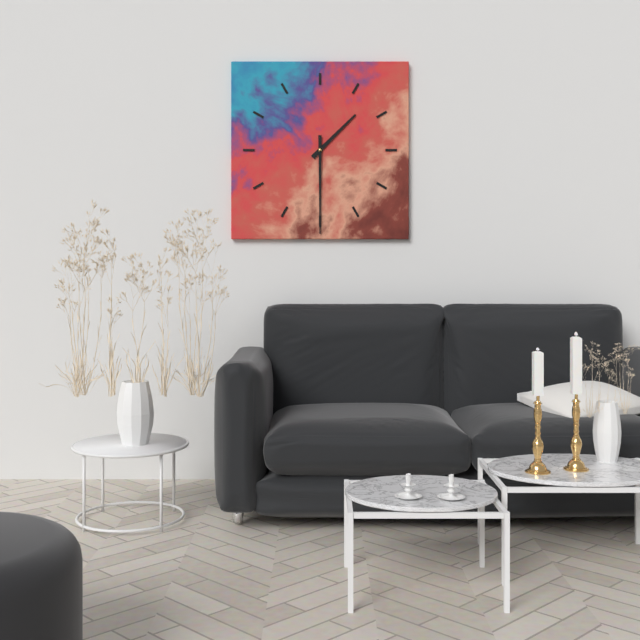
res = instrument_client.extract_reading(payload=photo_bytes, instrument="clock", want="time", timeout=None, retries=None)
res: 1:30
